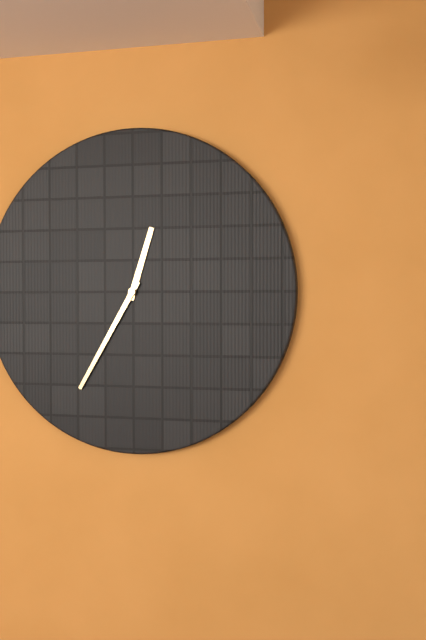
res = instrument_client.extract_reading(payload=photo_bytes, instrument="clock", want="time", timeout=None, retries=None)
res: 12:35
